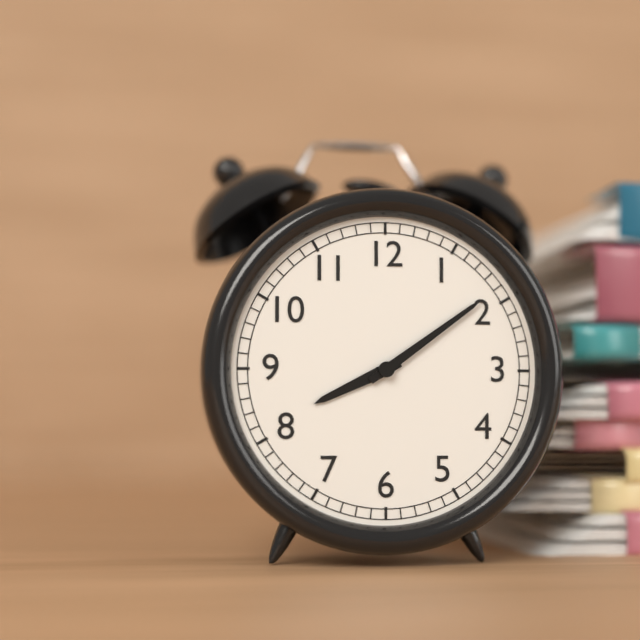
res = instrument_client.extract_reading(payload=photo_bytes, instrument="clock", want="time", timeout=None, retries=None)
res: 8:09
